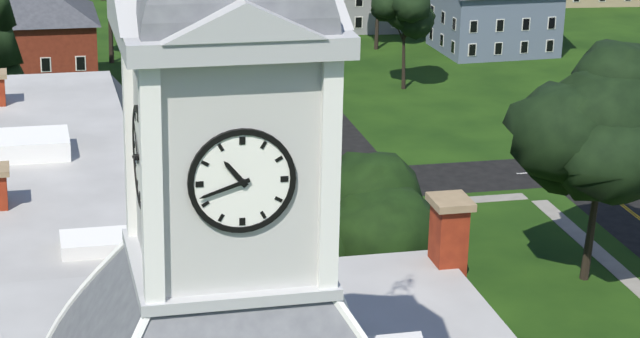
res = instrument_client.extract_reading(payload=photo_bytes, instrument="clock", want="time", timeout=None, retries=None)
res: 10:42
